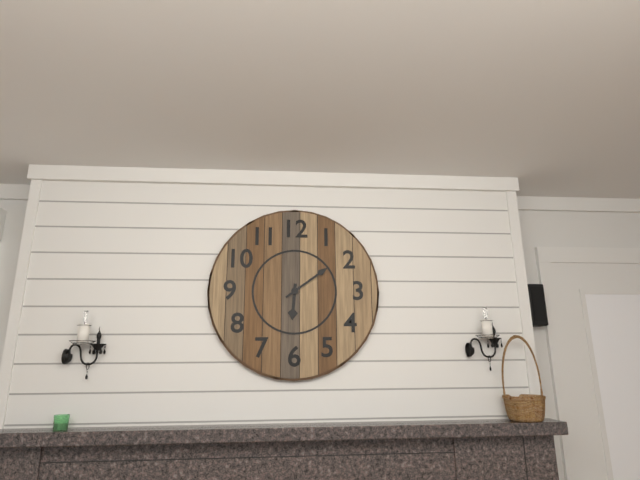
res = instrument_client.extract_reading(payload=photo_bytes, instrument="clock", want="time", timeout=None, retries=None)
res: 6:09
